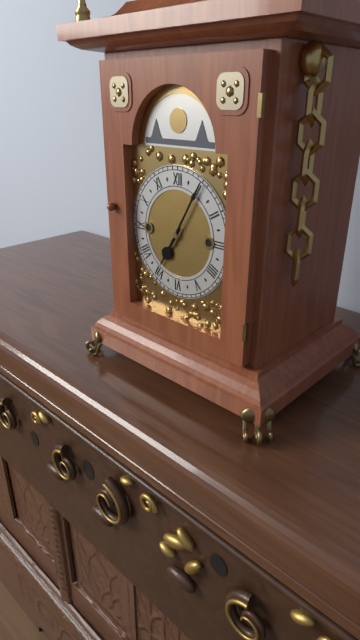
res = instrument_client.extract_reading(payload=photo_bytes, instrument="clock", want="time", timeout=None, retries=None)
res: 7:05
